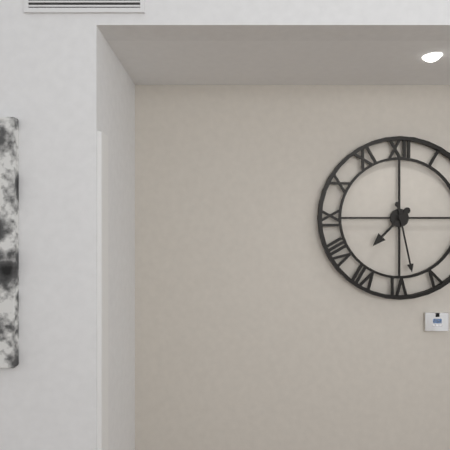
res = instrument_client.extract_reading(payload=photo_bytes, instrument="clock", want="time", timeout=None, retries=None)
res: 7:28
